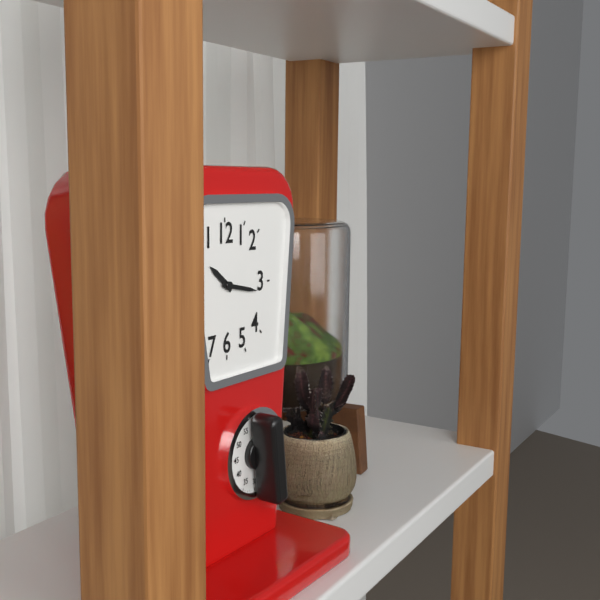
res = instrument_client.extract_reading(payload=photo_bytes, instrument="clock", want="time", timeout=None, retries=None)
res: 10:17
